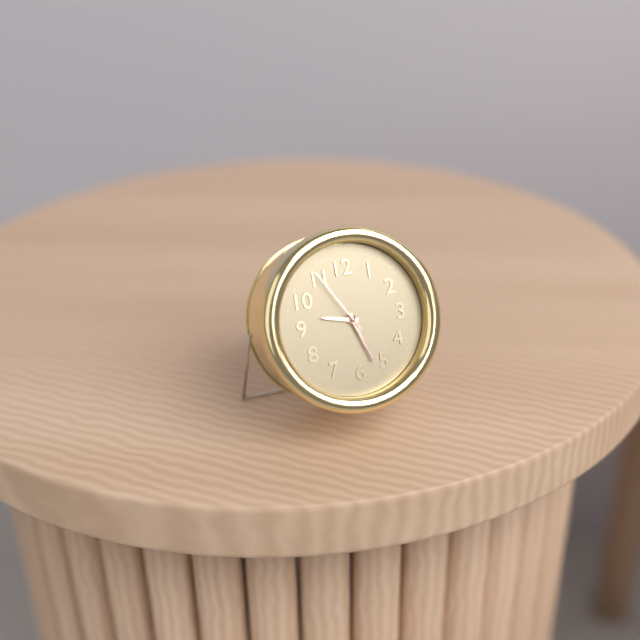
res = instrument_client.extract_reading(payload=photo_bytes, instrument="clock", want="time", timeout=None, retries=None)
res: 9:27:55
